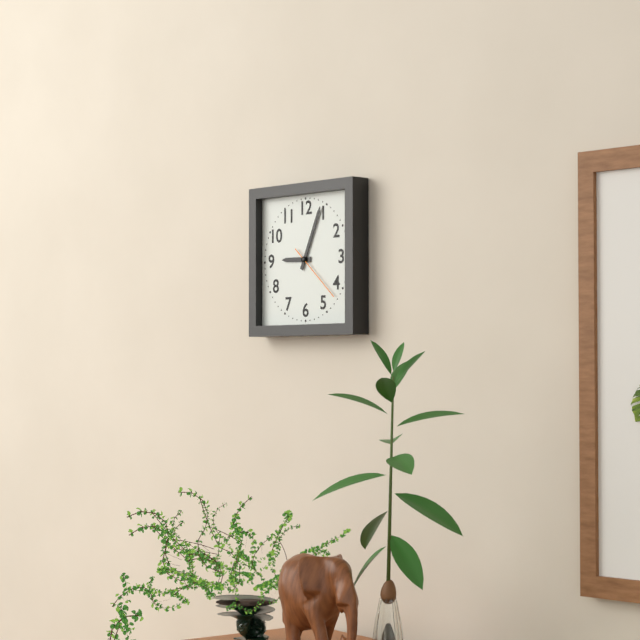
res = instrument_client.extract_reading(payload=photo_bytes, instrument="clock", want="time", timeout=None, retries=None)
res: 9:04:22
